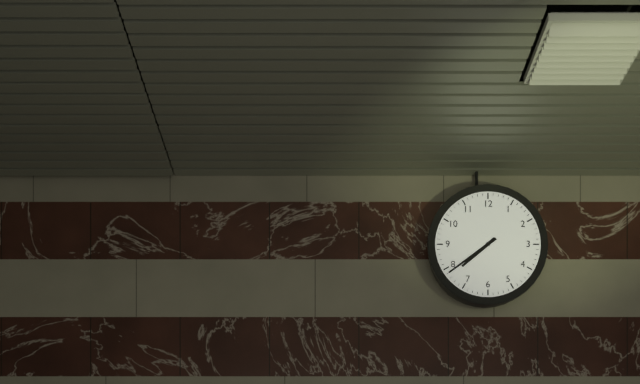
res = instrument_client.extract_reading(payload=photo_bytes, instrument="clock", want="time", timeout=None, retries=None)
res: 7:39
